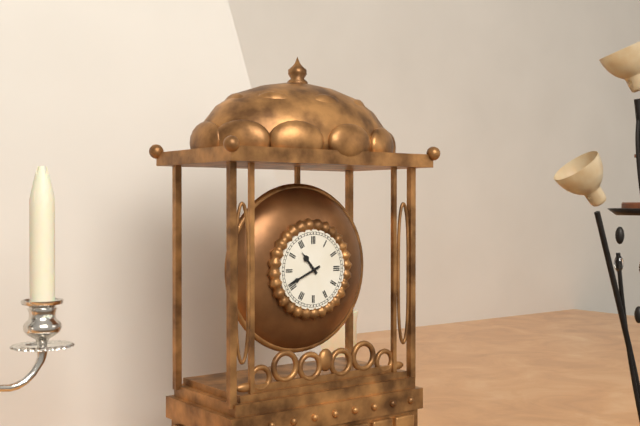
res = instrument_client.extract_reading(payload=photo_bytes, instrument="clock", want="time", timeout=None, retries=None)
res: 10:41
